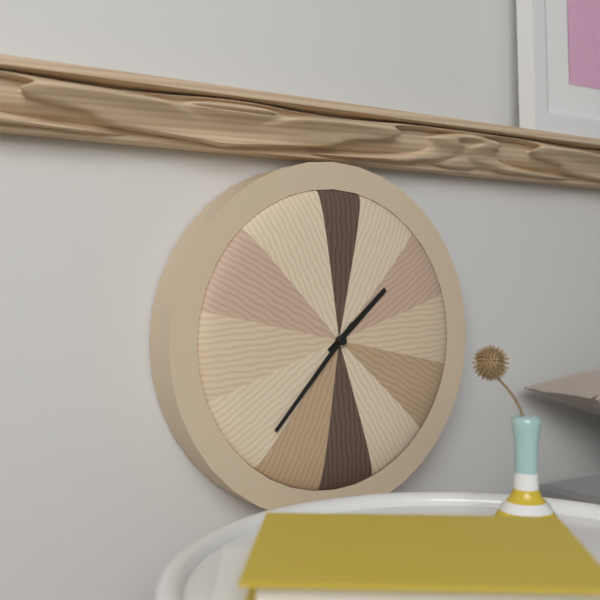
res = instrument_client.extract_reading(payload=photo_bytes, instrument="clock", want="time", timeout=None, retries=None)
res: 1:37
